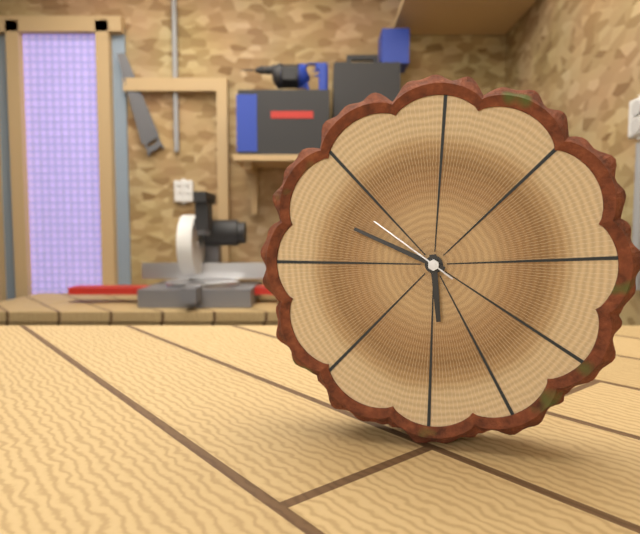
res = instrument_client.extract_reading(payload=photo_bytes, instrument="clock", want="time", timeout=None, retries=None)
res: 5:49:51
